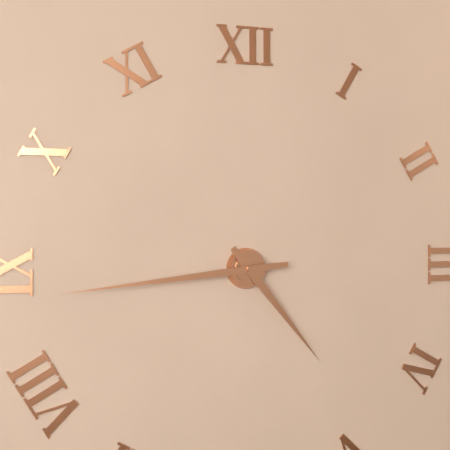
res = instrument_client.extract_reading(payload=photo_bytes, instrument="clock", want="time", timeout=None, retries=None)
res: 4:44
